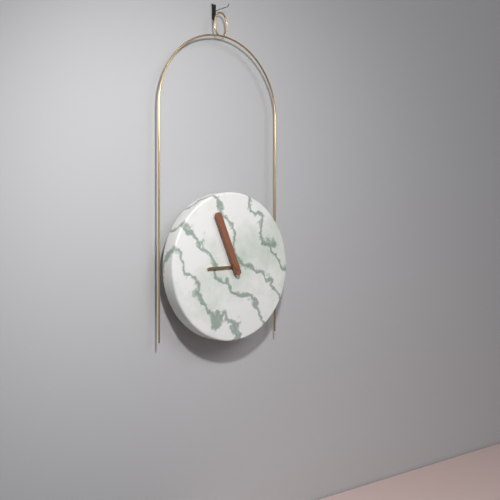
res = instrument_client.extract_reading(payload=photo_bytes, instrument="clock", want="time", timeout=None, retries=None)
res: 8:56
